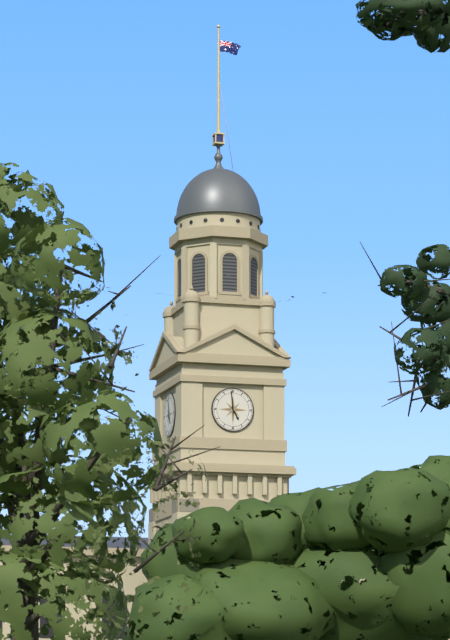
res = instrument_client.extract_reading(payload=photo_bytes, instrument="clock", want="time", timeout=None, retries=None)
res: 4:59
